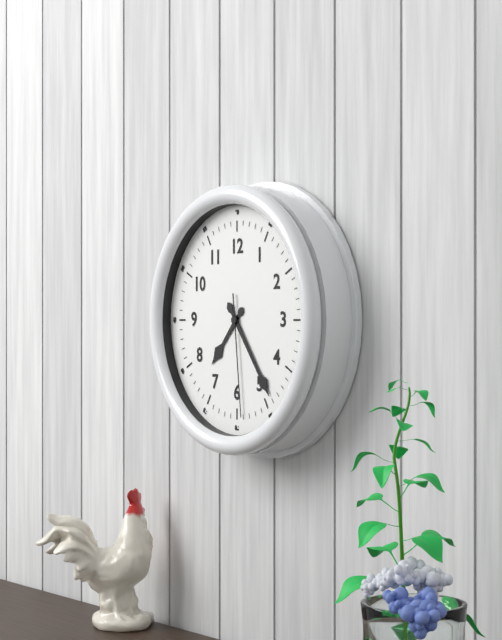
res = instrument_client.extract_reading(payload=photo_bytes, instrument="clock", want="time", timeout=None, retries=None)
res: 7:24:29
